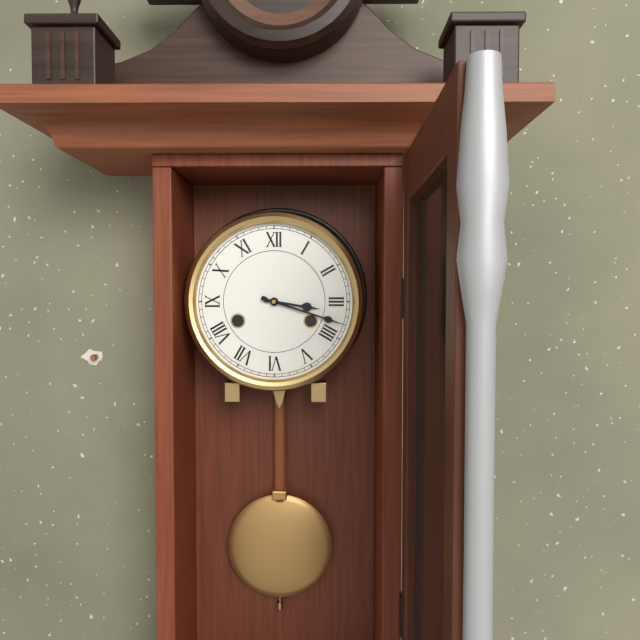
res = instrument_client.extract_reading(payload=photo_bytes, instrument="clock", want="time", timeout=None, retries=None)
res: 3:18
